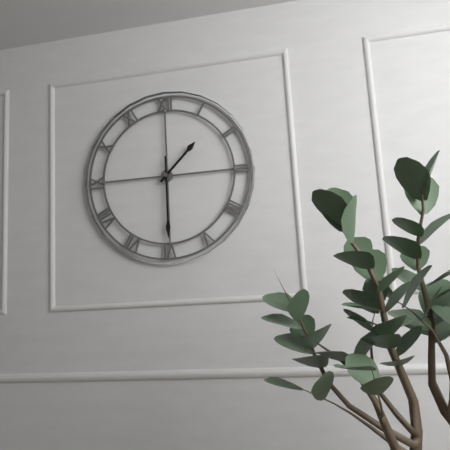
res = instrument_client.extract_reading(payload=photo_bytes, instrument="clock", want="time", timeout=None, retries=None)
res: 1:30
